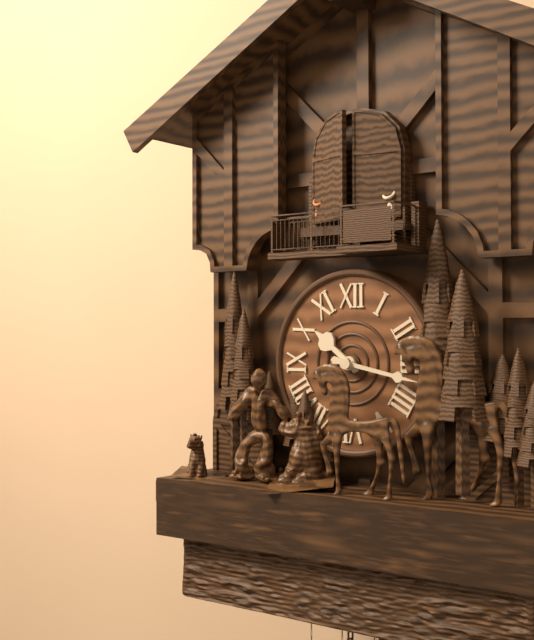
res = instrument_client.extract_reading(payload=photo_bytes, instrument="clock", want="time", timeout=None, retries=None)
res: 10:17
